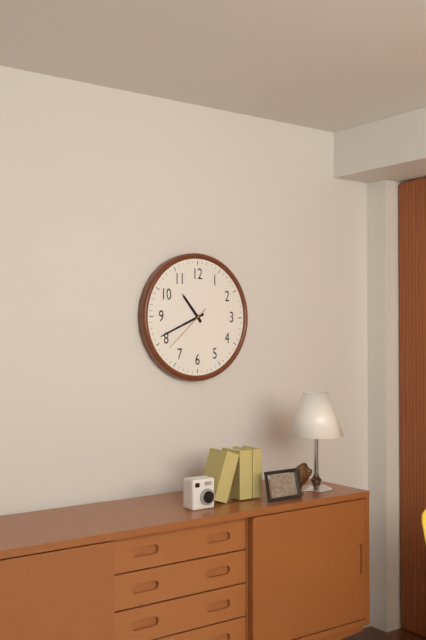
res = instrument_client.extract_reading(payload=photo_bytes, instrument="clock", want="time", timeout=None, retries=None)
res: 10:41:38
